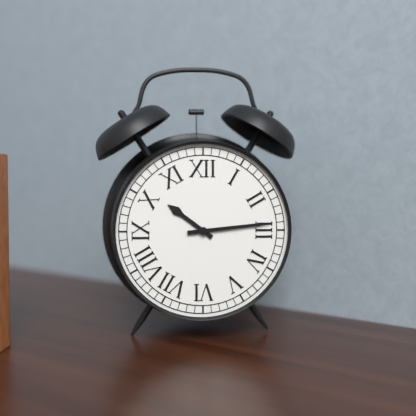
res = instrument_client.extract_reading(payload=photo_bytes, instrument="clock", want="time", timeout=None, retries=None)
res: 10:14
